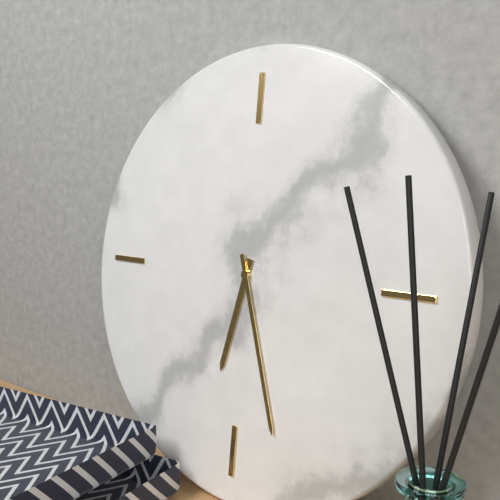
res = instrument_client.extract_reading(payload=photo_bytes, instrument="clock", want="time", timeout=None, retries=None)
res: 6:27
